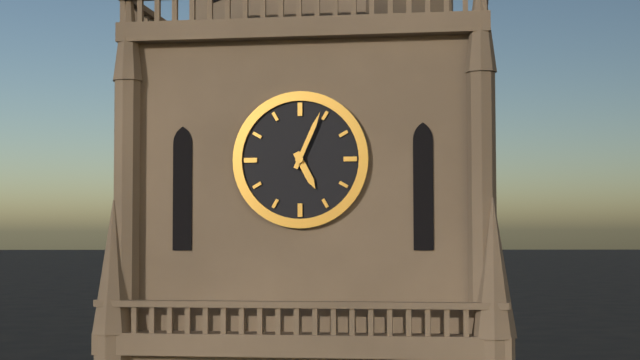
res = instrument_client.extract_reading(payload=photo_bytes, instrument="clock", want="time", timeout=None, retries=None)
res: 5:04
